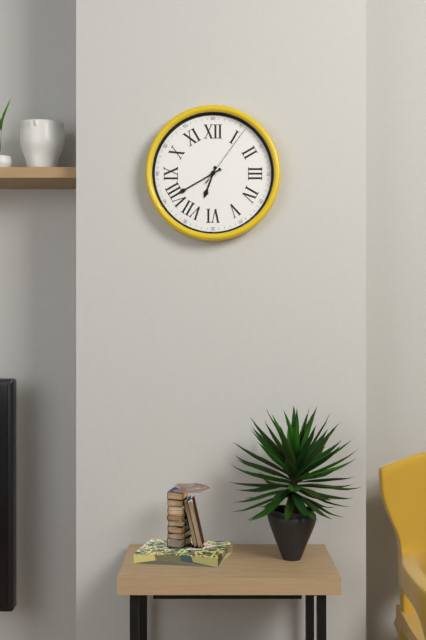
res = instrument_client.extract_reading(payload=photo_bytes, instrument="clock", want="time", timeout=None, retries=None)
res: 6:40:06
